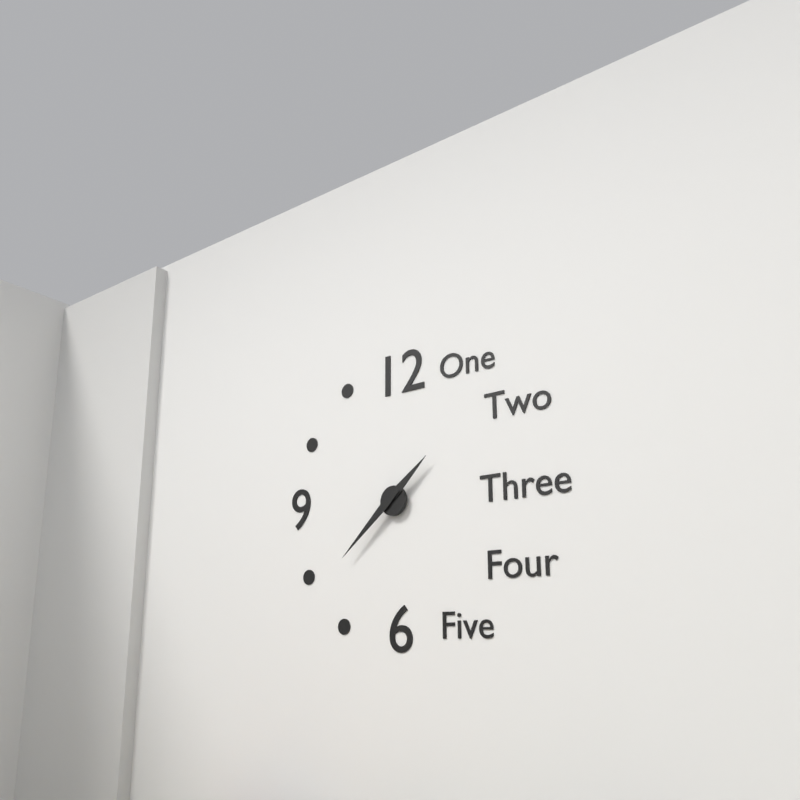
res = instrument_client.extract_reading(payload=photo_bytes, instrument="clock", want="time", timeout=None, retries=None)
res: 1:38
